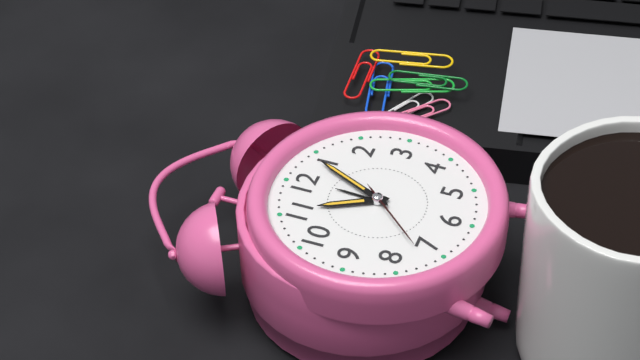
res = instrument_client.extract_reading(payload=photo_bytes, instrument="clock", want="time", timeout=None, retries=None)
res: 11:04:37
